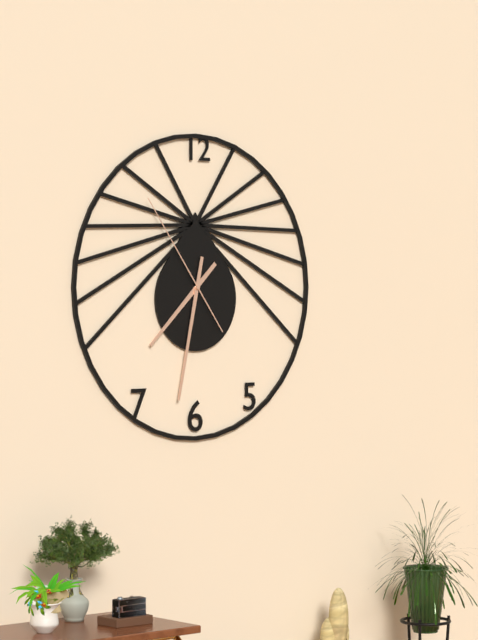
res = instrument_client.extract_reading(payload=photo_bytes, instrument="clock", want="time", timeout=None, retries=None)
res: 7:32:54
